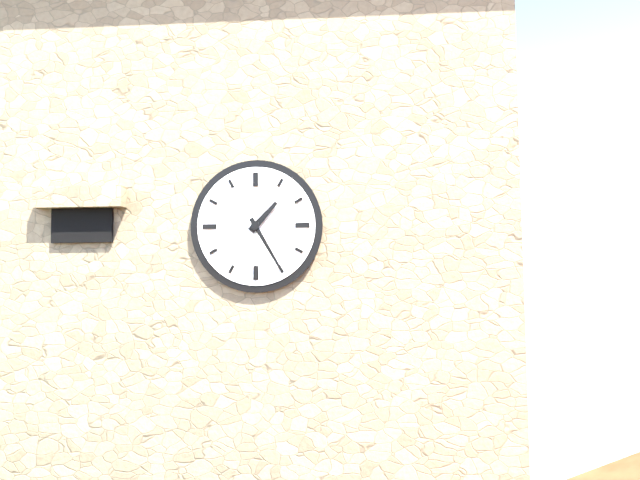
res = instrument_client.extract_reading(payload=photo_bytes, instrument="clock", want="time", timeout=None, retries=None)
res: 1:25
